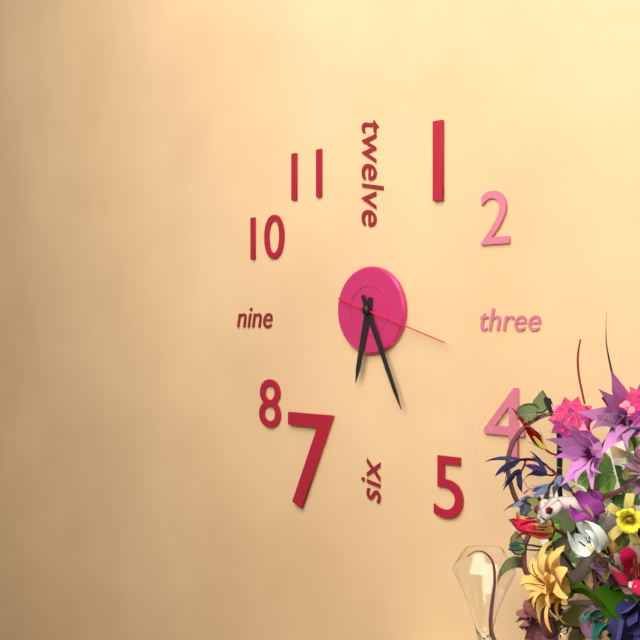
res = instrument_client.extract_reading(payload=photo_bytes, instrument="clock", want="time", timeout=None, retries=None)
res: 6:26:18
